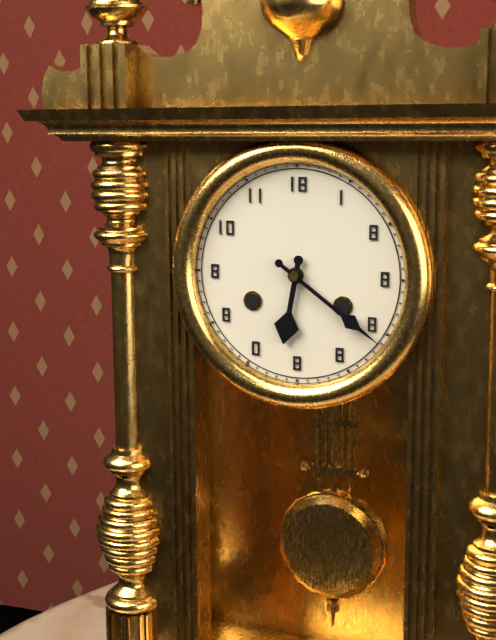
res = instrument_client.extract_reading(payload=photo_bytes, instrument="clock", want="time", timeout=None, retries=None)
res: 6:21
